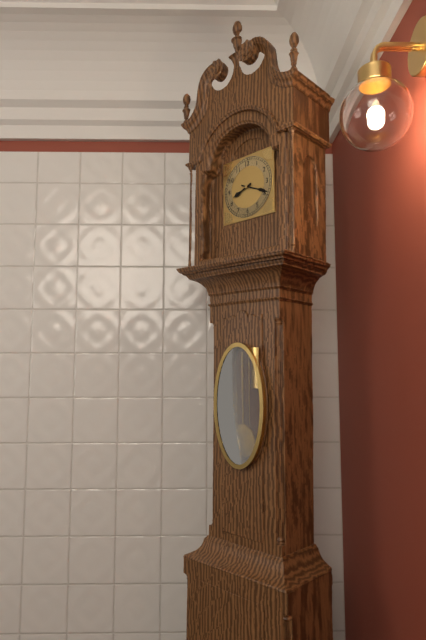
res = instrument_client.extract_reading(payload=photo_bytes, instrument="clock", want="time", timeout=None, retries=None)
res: 8:19
